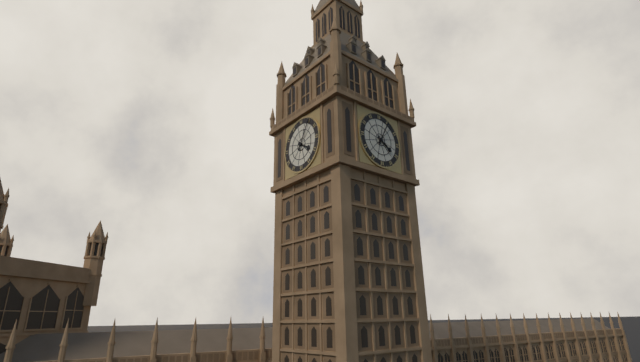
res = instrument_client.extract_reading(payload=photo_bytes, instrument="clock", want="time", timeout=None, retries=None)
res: 4:05
